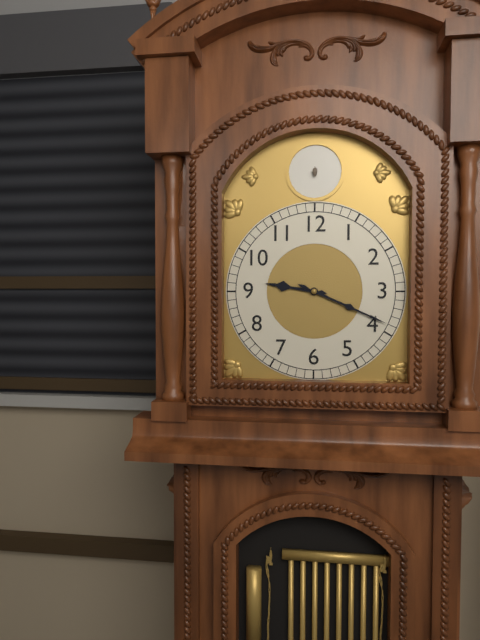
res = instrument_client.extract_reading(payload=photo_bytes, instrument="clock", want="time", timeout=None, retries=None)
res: 9:19
